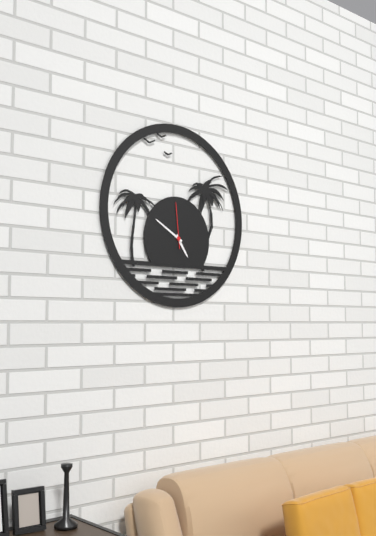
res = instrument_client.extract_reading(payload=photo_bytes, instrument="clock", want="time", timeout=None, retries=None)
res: 4:50
